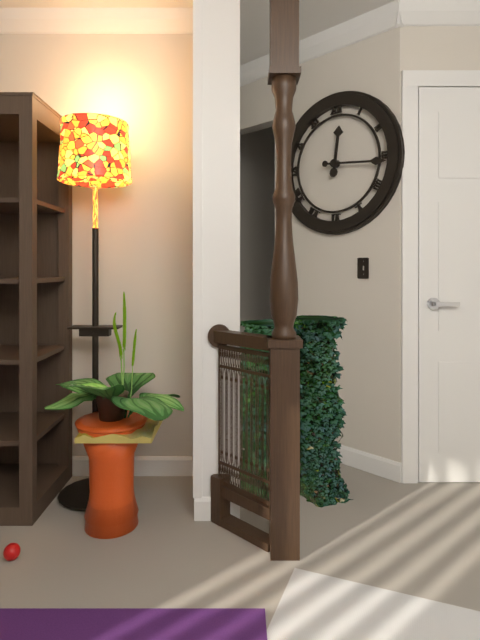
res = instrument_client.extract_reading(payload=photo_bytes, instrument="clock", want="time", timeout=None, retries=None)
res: 12:16
